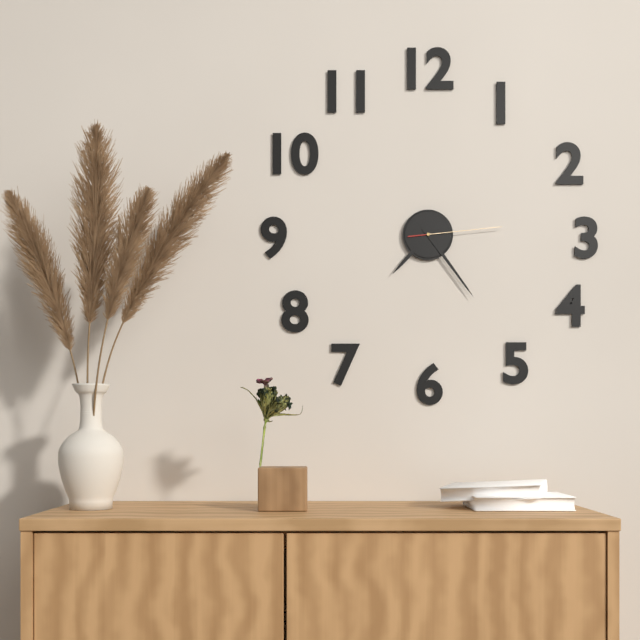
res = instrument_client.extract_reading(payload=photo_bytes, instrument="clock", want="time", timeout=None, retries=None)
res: 7:24:14
